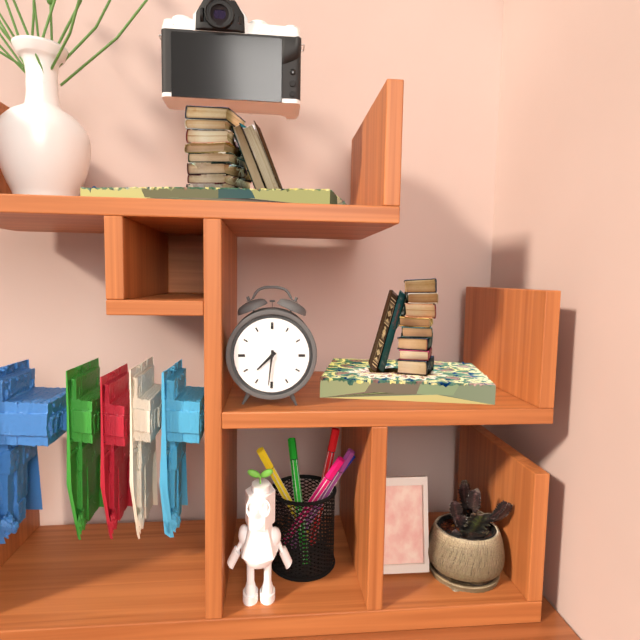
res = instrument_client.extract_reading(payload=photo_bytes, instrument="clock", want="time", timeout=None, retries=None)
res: 7:31
